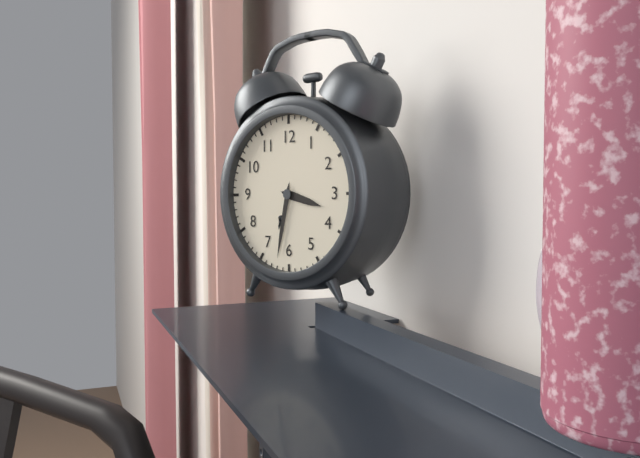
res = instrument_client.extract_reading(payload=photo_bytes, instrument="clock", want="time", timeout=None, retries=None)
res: 3:32
